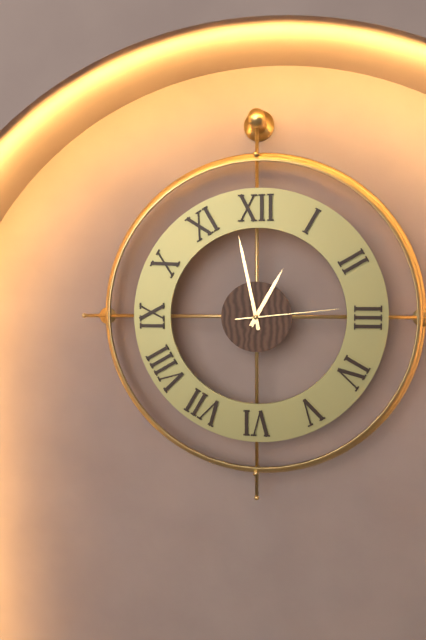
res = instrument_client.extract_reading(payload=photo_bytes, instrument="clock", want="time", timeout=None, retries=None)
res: 12:58:14
